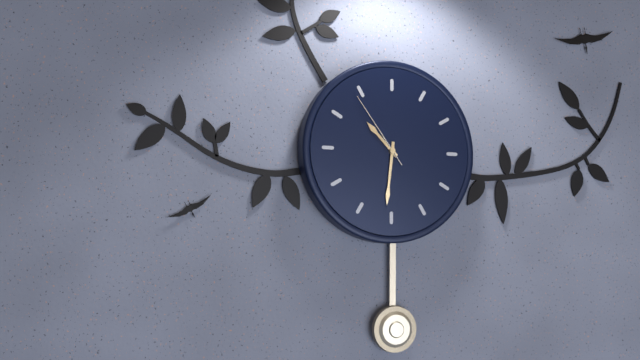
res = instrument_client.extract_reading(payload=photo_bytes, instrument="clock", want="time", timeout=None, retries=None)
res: 10:31:54
